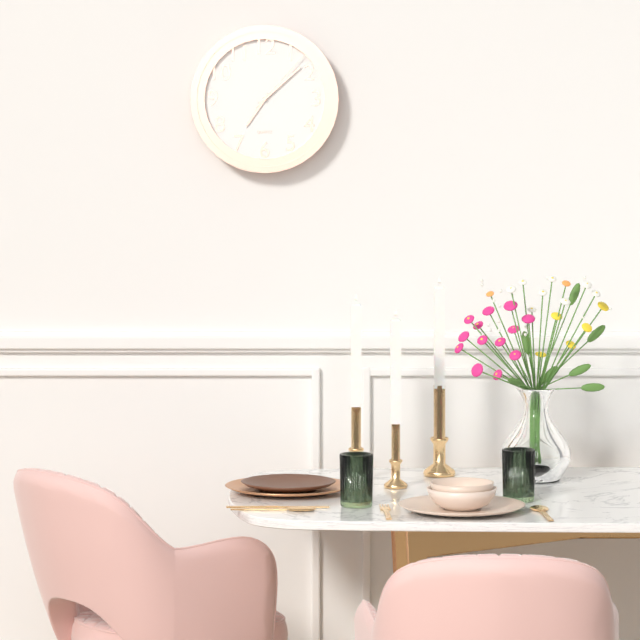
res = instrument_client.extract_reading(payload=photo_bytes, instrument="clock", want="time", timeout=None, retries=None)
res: 7:08:07
